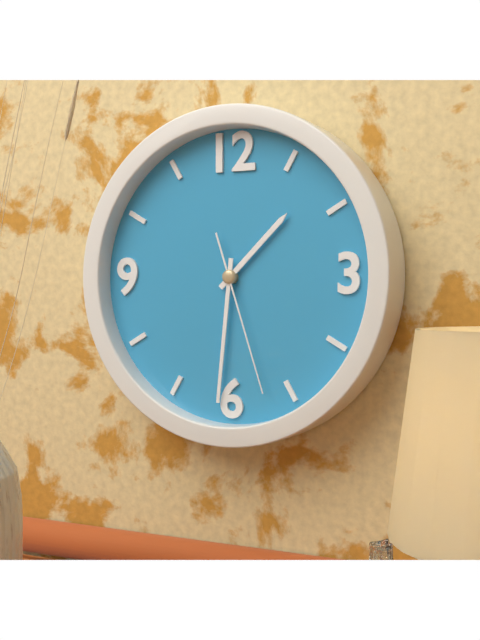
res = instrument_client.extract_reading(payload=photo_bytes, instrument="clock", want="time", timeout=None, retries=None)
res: 1:31:27
